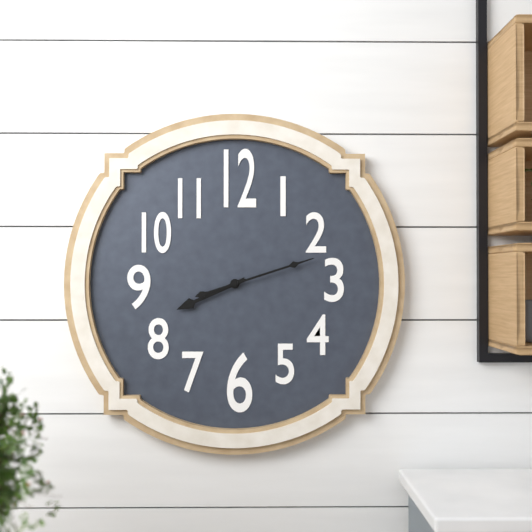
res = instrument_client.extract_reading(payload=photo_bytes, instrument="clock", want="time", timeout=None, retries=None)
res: 8:12
